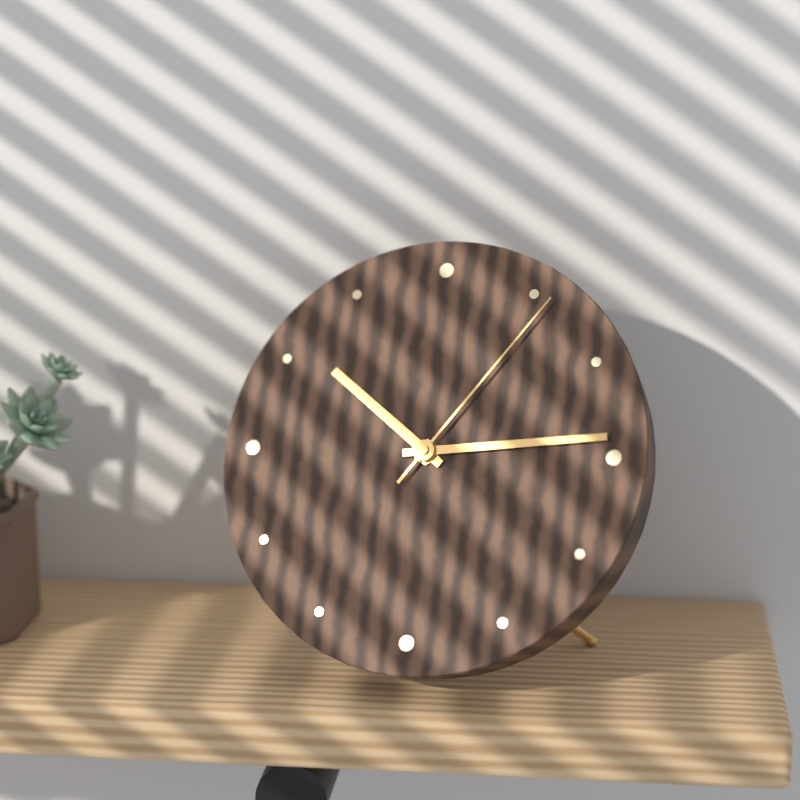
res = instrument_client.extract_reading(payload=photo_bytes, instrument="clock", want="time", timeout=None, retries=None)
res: 10:14:06
